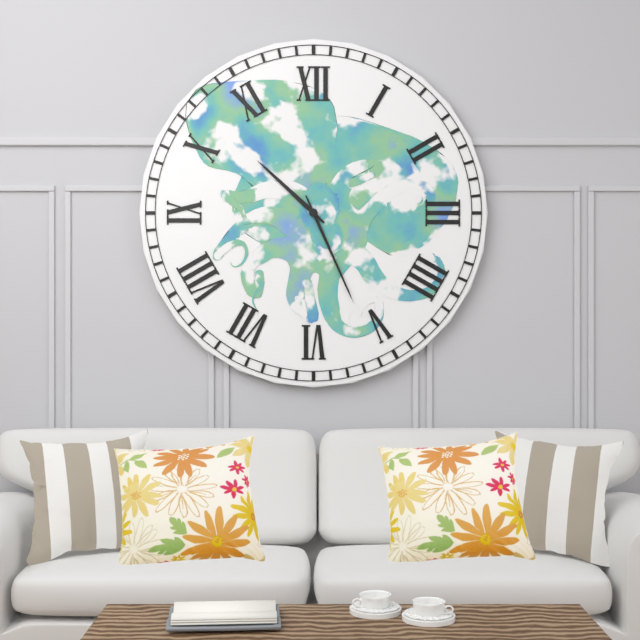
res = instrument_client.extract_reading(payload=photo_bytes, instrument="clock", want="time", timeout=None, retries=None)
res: 10:26
